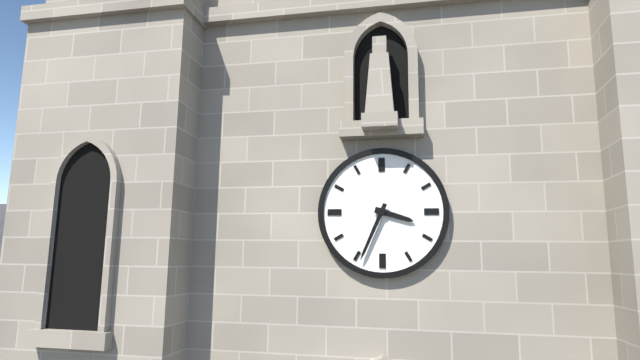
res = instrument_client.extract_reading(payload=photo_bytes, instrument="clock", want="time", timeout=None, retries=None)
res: 3:34
